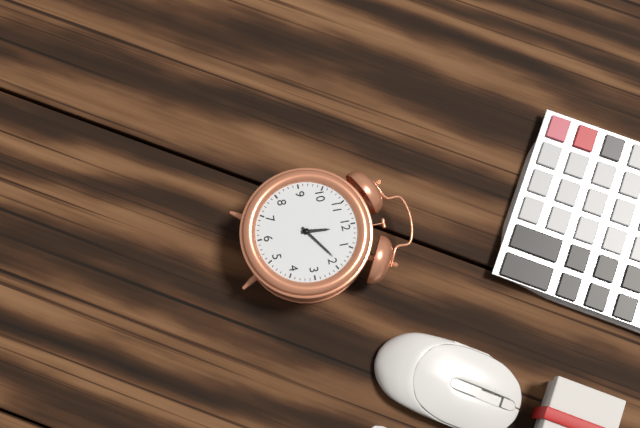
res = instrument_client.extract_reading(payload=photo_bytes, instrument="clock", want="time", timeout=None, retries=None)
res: 12:09
